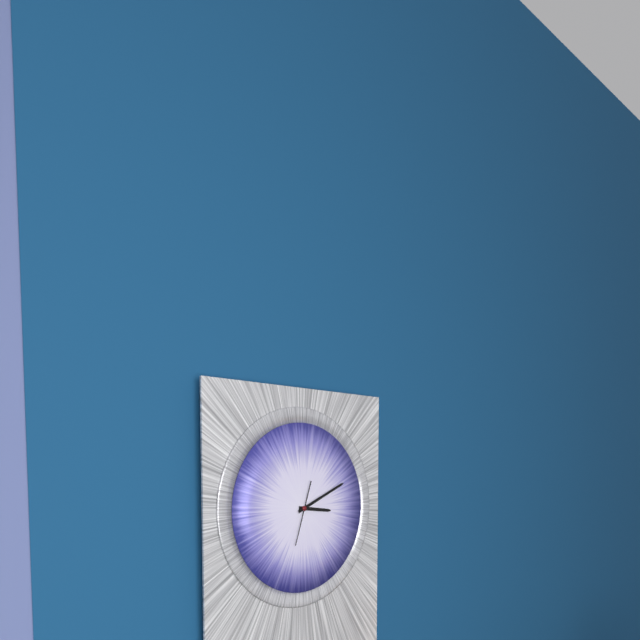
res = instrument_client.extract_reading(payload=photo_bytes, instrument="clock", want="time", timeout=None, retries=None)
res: 3:11
